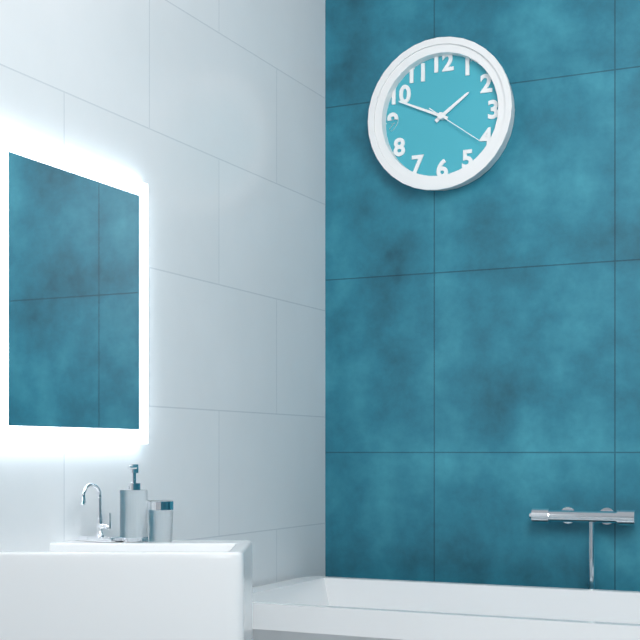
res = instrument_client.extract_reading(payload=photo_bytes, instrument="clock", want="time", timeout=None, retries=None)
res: 1:49:21
